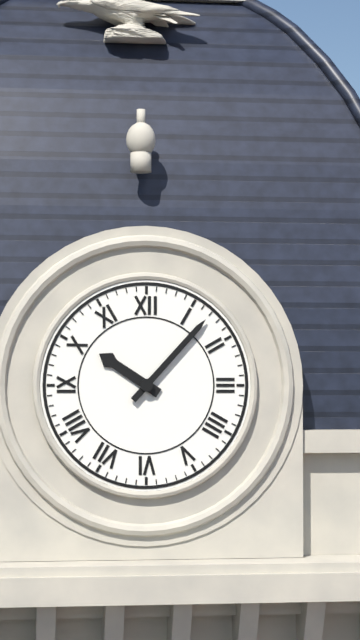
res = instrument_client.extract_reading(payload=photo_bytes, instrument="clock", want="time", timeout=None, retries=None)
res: 10:07
